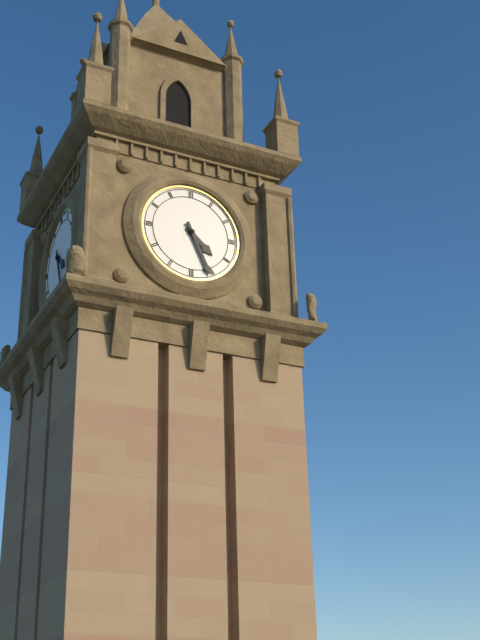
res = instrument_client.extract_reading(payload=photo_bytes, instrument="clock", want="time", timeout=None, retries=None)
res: 4:26
